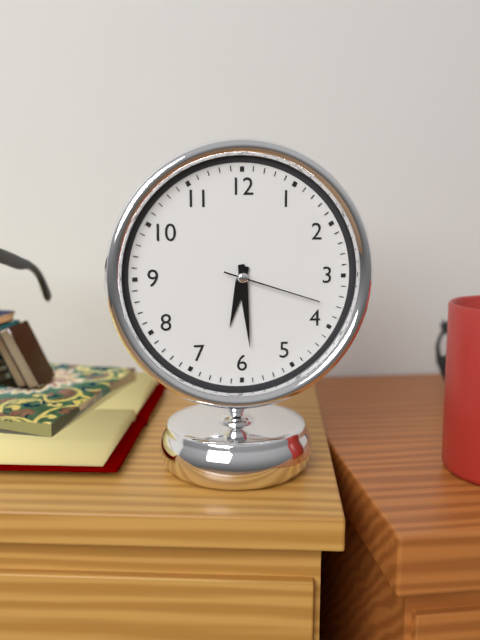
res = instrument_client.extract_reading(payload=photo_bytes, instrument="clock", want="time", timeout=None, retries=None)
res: 6:29:18
